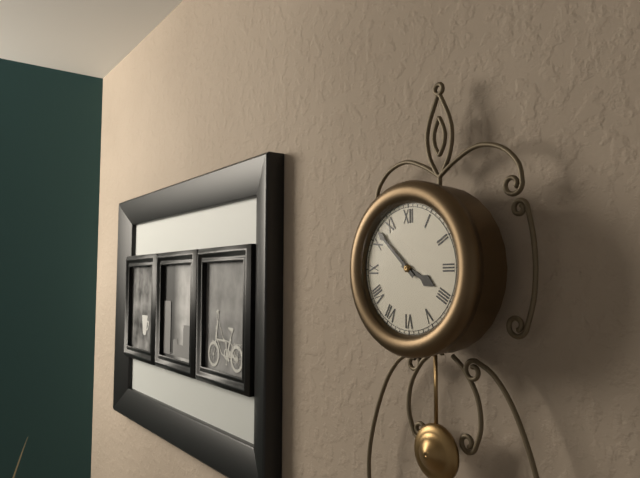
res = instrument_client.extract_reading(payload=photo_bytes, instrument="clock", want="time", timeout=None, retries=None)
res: 3:52
